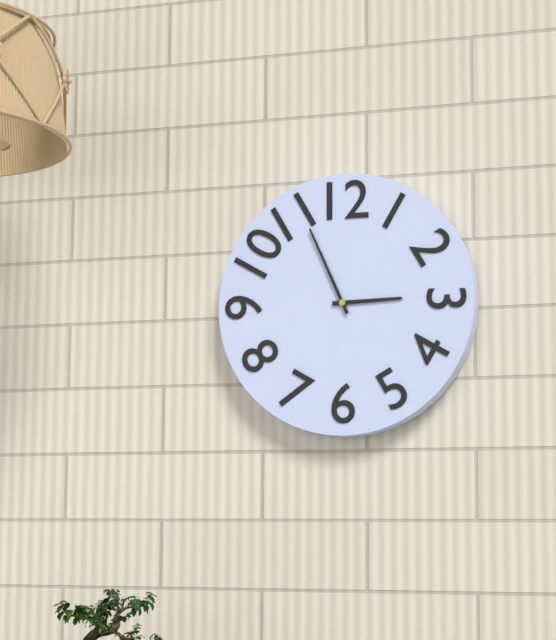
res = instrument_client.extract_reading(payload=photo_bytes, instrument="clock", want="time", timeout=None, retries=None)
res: 2:56
